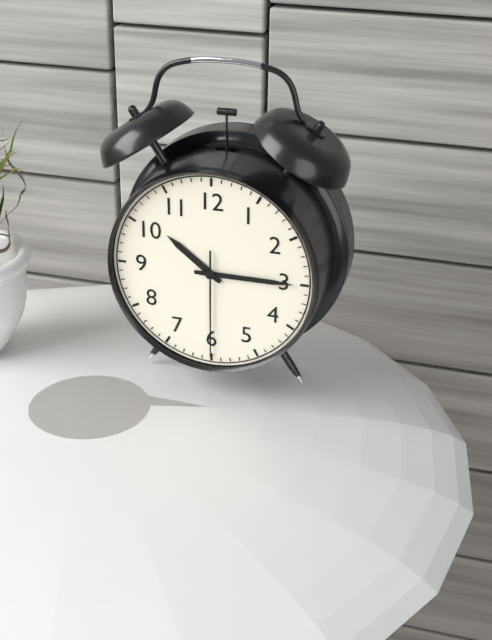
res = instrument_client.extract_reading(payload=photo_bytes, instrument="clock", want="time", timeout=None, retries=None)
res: 10:15:30
